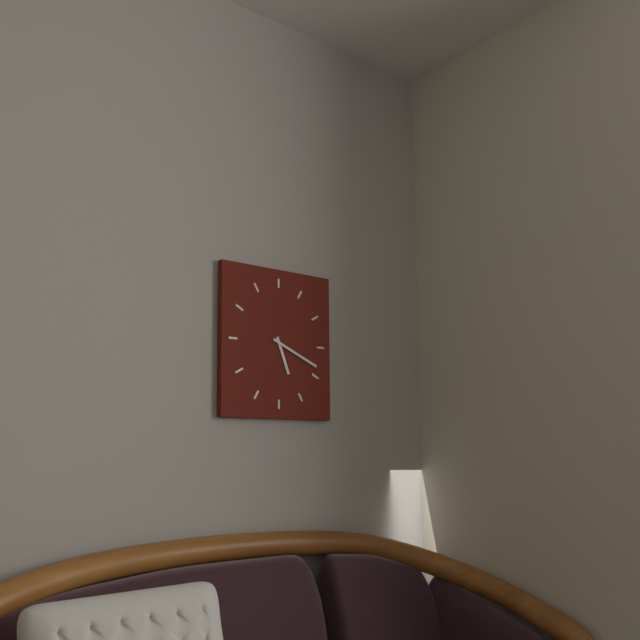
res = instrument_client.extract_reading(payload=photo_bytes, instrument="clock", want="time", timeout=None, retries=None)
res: 5:19
